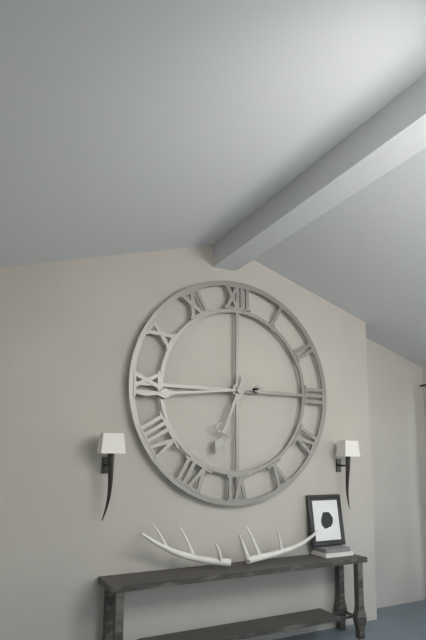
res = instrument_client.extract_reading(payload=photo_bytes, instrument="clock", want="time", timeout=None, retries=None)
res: 6:44
